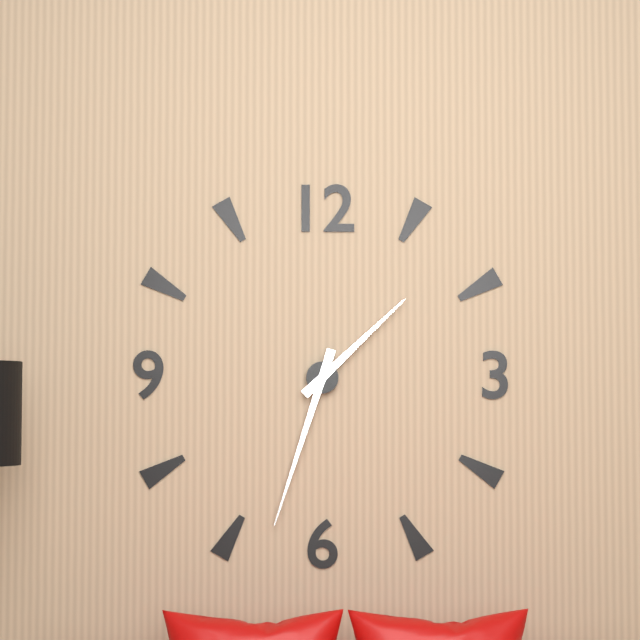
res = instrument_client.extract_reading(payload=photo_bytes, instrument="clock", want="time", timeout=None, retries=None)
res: 1:33
